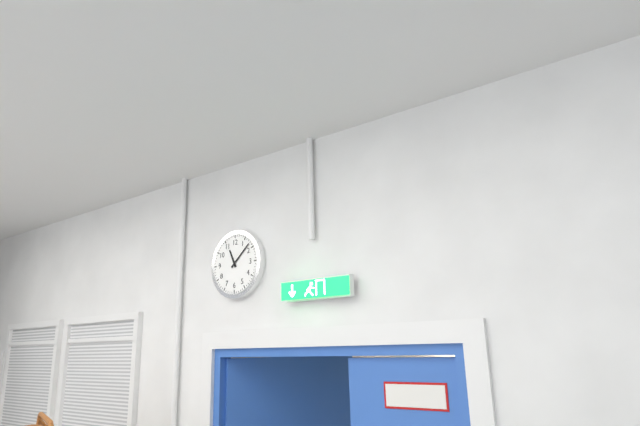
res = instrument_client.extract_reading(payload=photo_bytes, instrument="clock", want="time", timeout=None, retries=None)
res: 11:08
